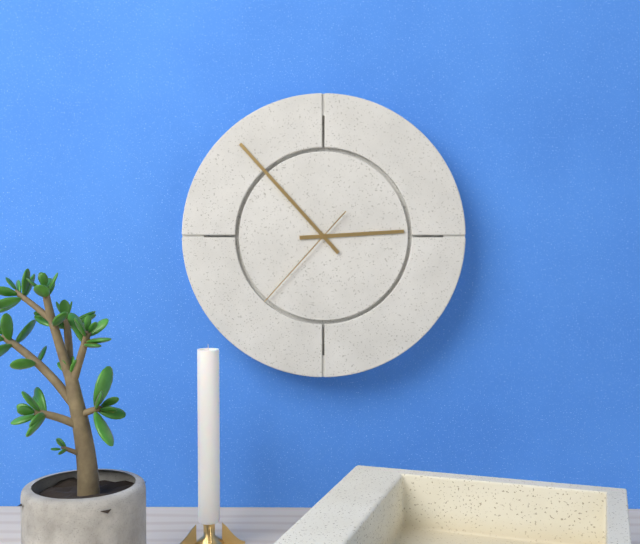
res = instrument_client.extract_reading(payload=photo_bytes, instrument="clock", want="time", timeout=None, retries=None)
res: 2:53:37
